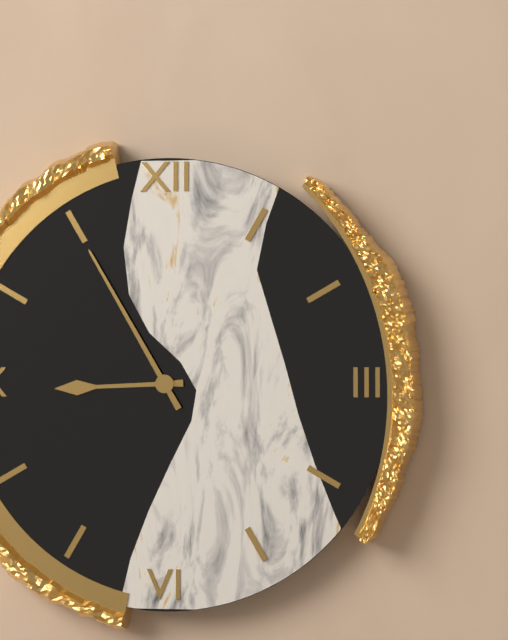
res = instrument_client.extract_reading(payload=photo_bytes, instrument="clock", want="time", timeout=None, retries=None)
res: 8:55
